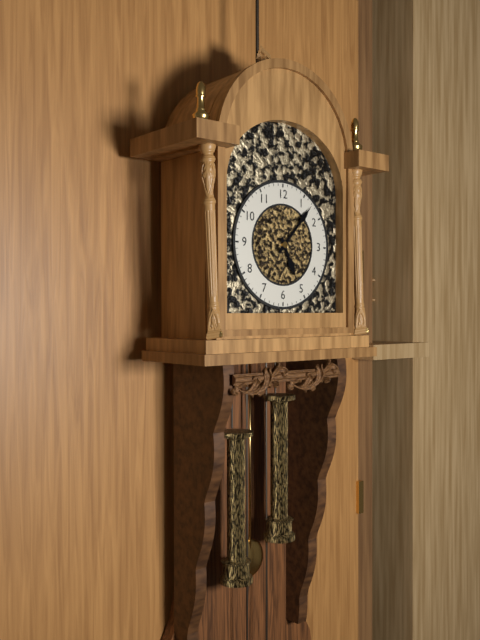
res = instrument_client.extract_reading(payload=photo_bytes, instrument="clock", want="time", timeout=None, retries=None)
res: 5:07
